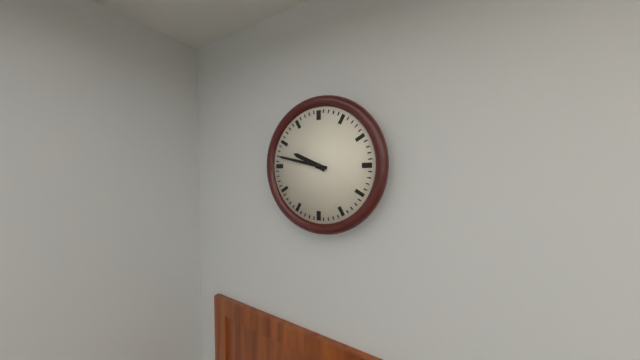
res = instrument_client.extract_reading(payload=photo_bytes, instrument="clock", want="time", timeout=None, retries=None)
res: 9:47
